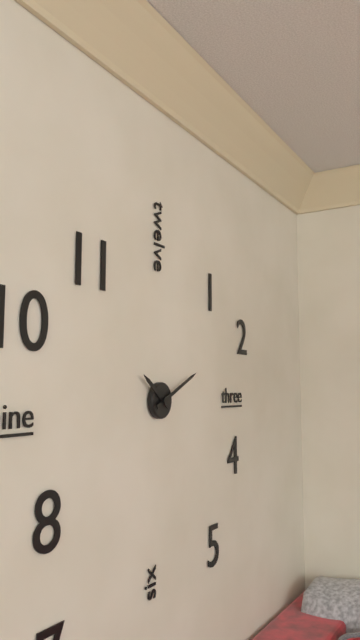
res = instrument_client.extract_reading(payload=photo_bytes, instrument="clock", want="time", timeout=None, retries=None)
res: 10:11
